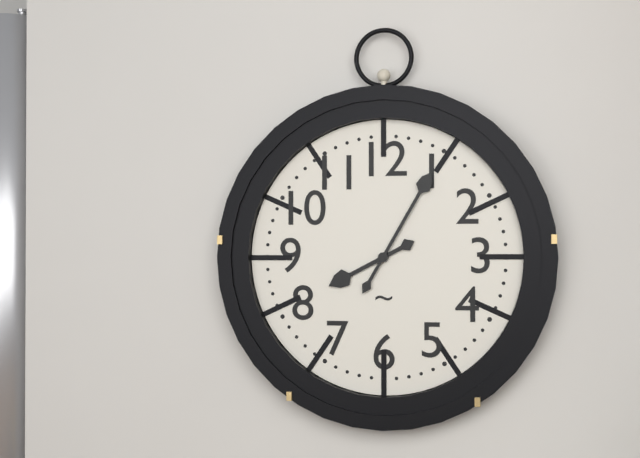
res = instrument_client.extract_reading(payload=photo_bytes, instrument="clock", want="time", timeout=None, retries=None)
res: 8:05
